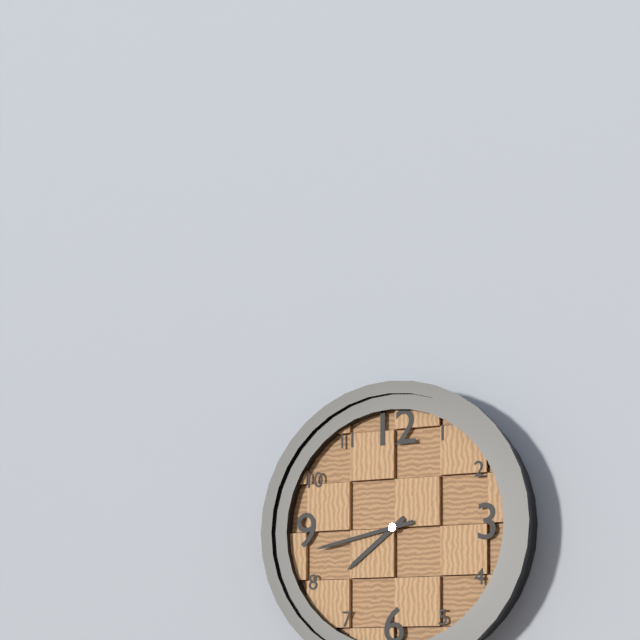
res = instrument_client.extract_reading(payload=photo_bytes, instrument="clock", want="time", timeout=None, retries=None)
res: 7:43
